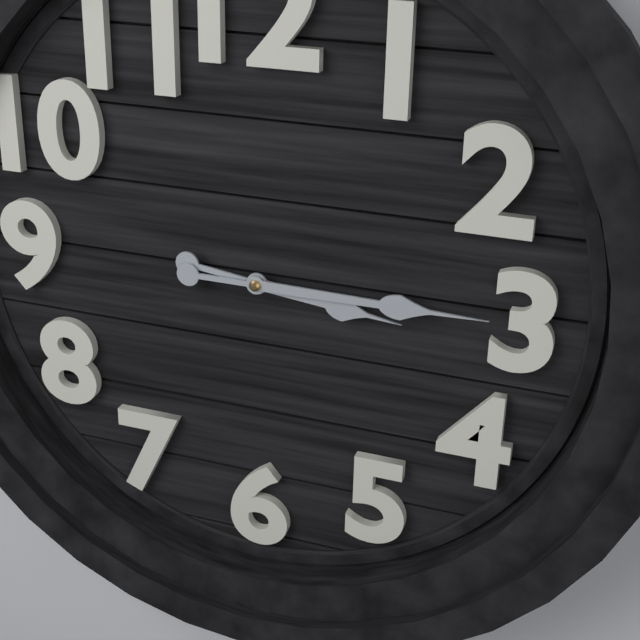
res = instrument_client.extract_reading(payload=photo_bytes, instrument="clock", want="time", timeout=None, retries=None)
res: 3:15
